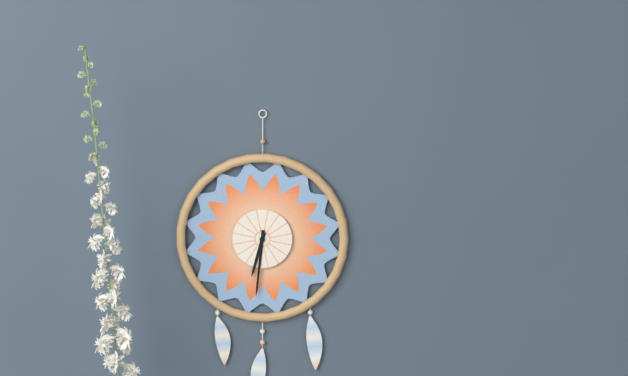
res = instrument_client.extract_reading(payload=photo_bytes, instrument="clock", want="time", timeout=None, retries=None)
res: 6:31
